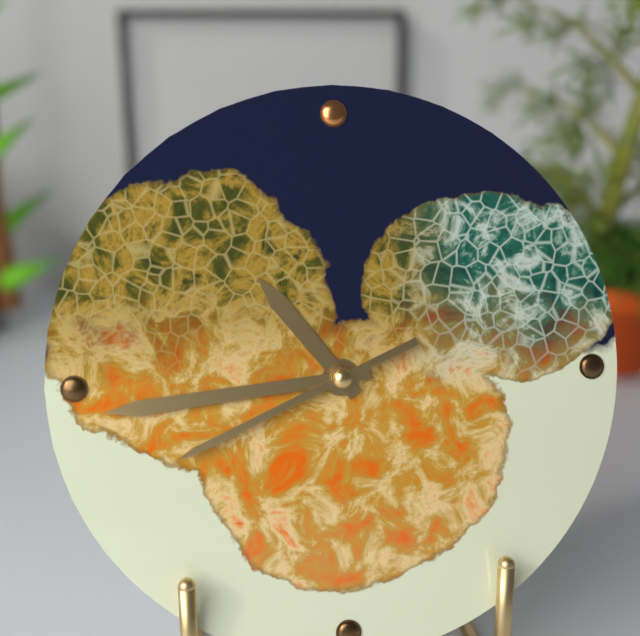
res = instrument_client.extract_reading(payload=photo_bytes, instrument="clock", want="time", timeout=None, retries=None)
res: 10:44:41
